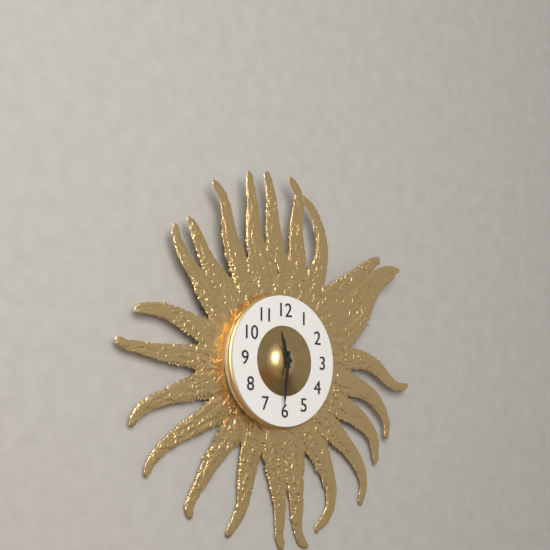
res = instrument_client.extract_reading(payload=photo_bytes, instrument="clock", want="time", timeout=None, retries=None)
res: 11:31
